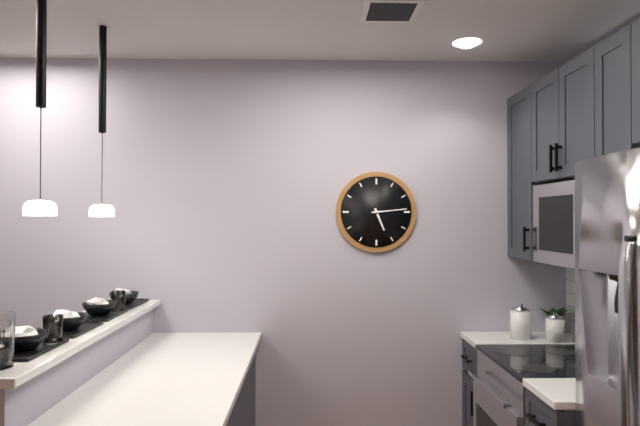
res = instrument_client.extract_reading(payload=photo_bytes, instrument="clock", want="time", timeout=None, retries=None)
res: 5:14
